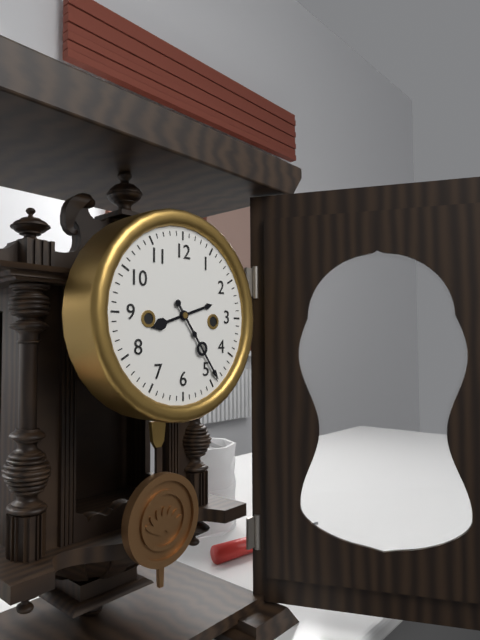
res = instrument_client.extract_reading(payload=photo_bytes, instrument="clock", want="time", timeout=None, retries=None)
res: 8:24
